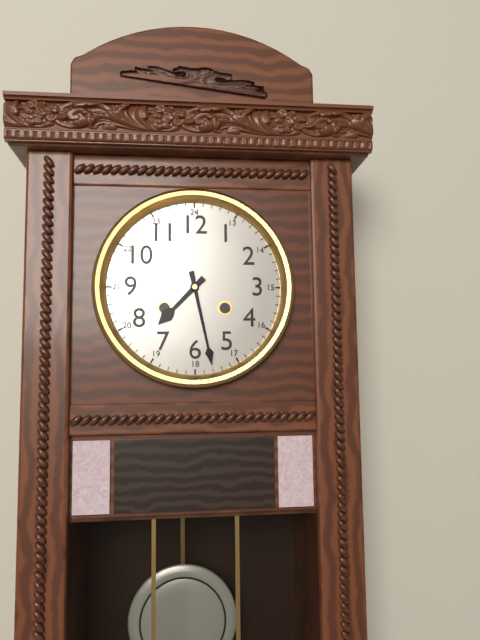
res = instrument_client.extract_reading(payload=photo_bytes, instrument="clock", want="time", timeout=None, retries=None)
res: 7:28
